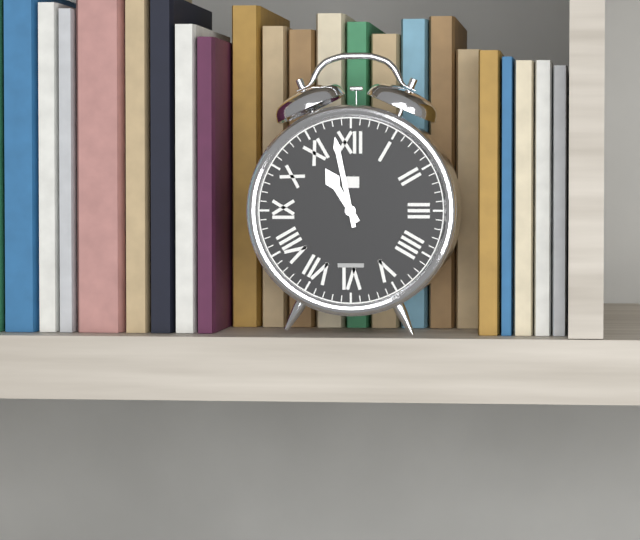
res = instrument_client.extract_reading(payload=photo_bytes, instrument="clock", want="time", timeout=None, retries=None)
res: 10:58
